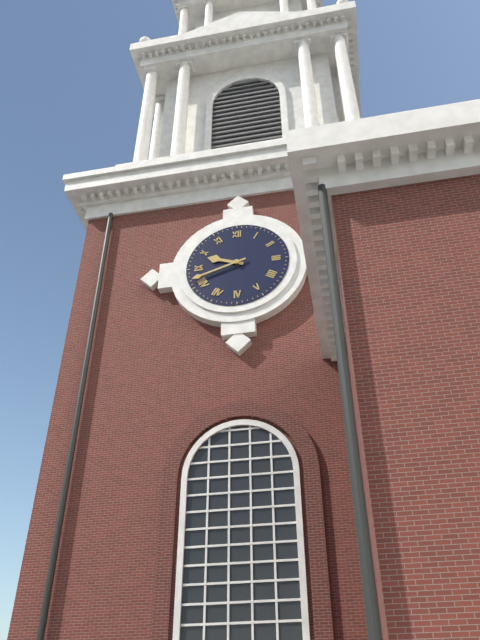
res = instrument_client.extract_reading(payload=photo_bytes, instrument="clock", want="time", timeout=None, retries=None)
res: 9:42
